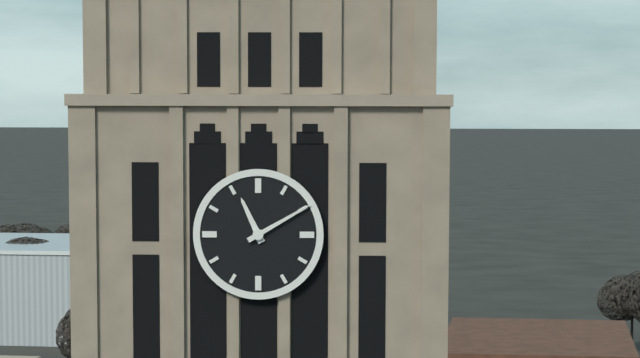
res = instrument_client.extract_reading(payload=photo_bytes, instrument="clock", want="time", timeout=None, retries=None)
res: 11:10
